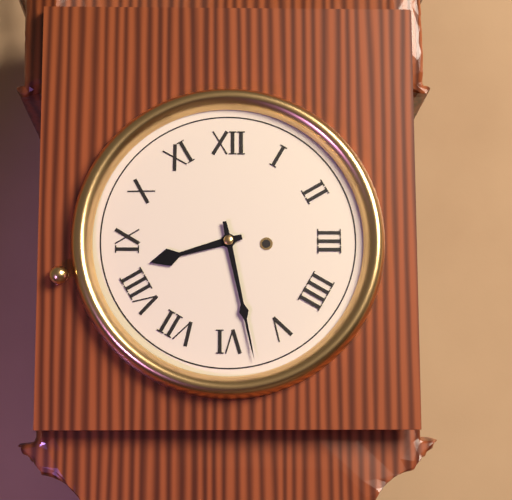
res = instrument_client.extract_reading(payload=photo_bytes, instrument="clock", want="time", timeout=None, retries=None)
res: 8:28
